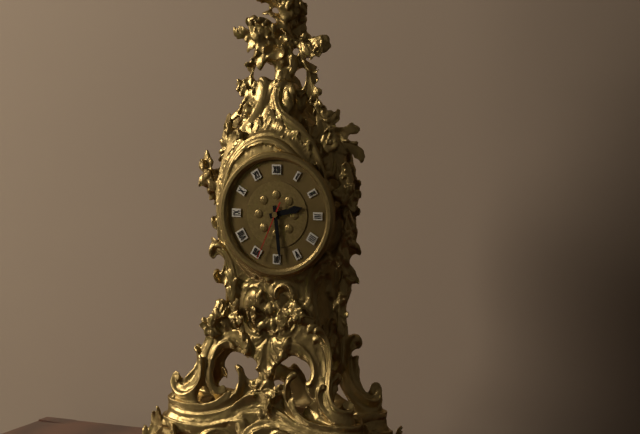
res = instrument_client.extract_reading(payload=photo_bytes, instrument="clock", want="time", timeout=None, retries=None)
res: 2:29:34
